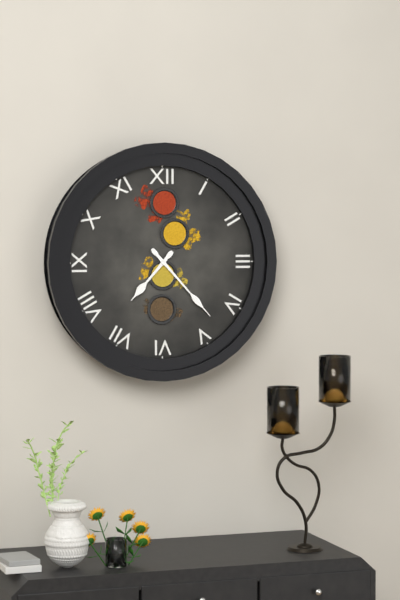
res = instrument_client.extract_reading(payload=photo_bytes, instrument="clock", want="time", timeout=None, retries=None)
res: 7:23
